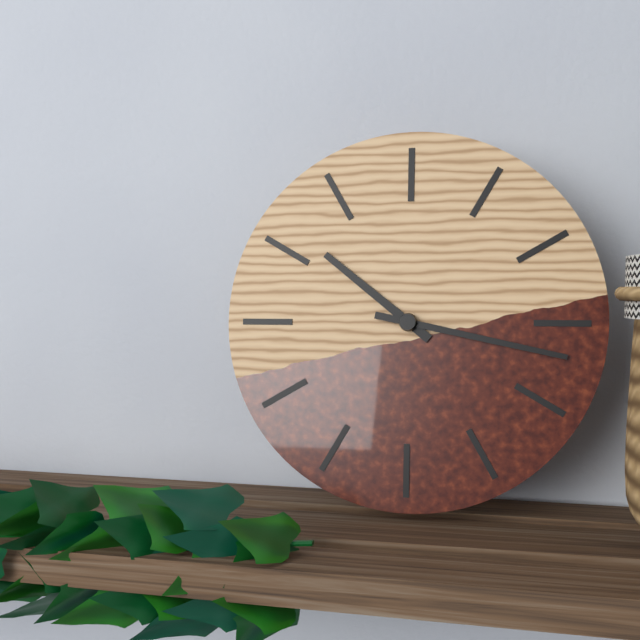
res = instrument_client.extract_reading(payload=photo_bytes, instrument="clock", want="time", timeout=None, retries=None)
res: 10:17
